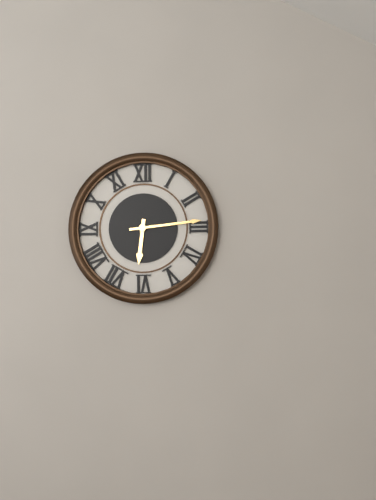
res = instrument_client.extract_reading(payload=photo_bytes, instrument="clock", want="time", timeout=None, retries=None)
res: 6:14
